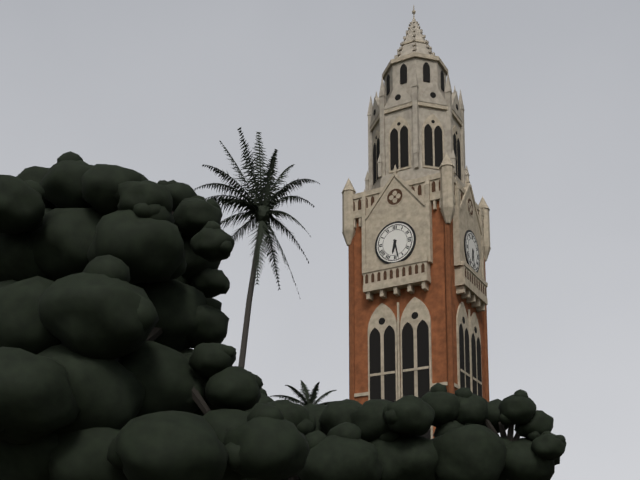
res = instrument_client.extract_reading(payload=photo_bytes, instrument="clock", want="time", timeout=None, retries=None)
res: 6:28
